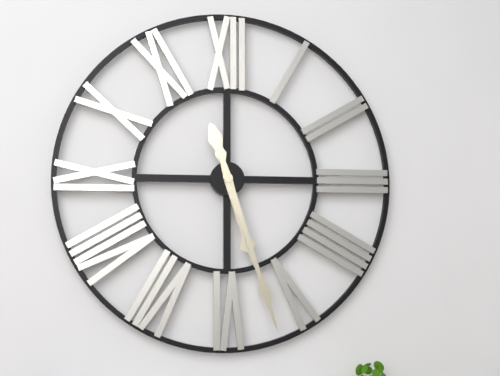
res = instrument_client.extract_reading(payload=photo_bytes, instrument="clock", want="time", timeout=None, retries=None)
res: 5:27
